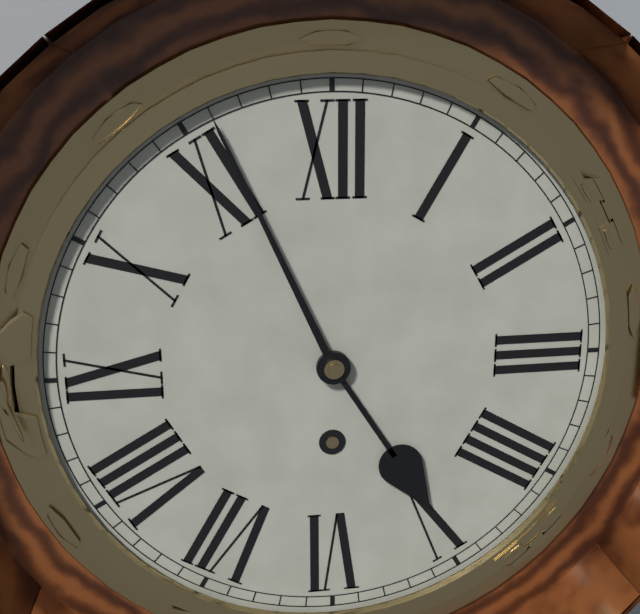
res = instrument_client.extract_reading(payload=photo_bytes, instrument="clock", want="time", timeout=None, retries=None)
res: 4:56
